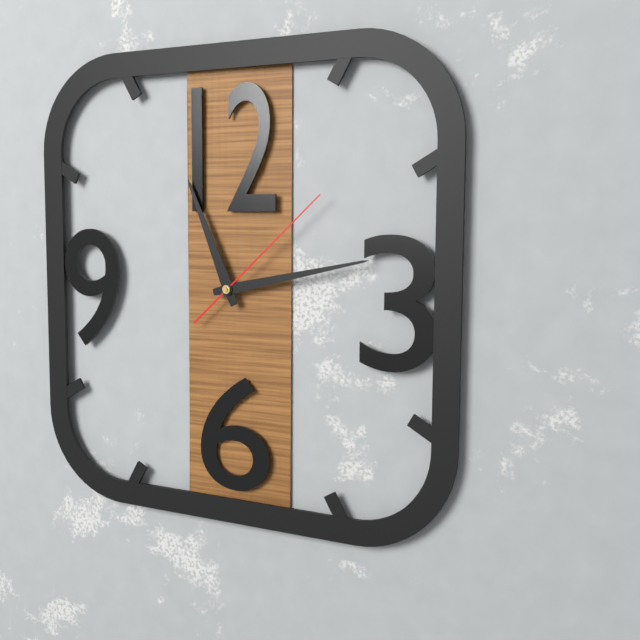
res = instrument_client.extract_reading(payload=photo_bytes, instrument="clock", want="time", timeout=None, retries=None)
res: 11:13:08
